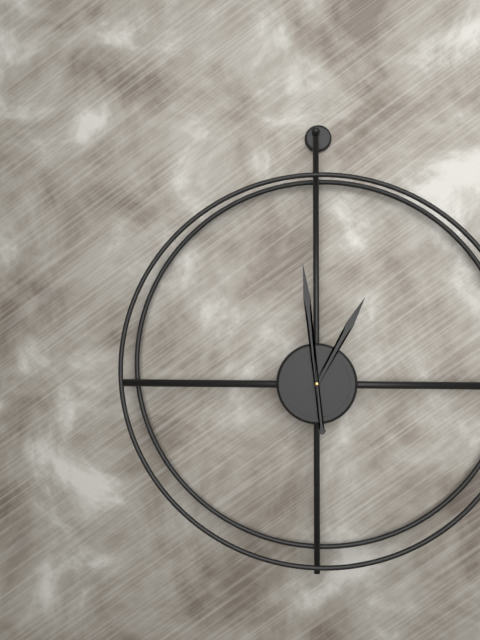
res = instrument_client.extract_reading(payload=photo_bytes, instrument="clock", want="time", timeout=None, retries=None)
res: 12:59
